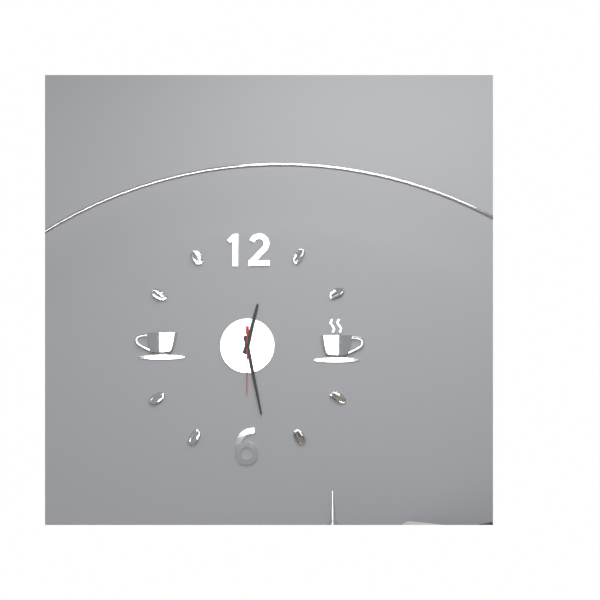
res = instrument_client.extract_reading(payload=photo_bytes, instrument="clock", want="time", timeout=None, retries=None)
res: 12:28:30
